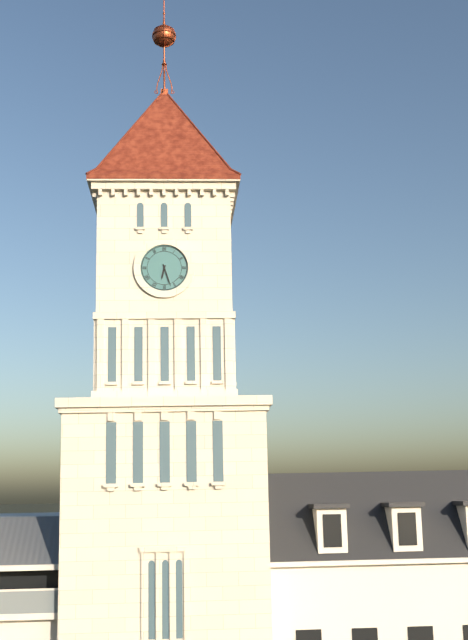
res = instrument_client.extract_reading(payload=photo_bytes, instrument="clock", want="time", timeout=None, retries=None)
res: 6:27
